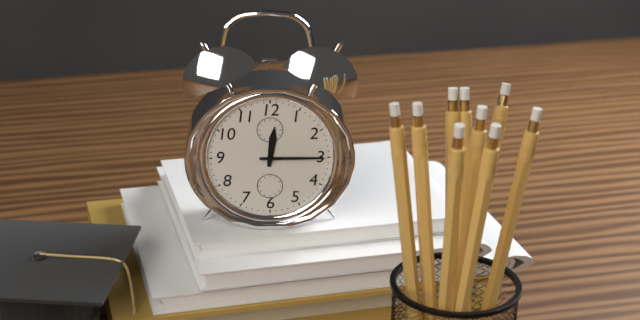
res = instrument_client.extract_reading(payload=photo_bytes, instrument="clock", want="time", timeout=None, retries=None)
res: 12:15
